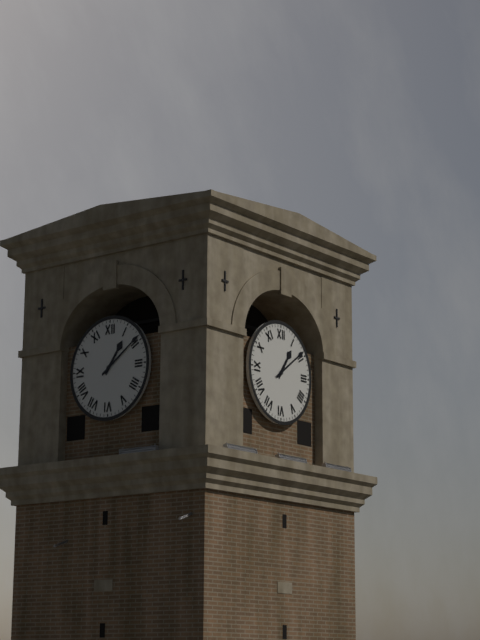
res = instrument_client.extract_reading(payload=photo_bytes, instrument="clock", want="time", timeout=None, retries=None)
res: 1:09
